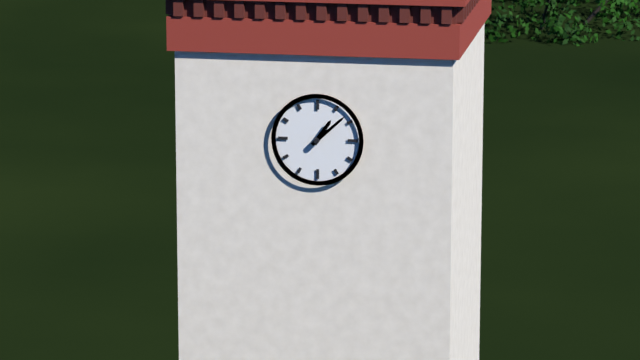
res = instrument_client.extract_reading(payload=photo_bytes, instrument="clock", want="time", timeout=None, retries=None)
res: 1:08
